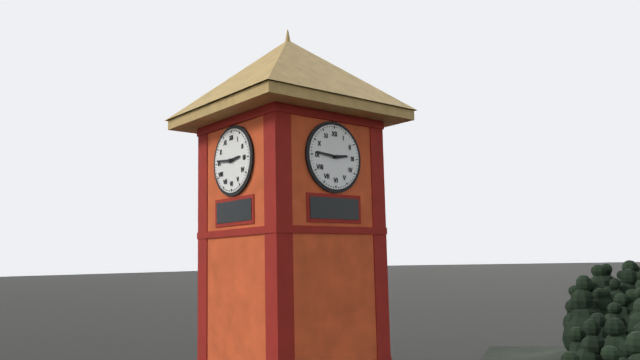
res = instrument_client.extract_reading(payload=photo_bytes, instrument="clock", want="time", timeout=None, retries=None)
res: 2:46
